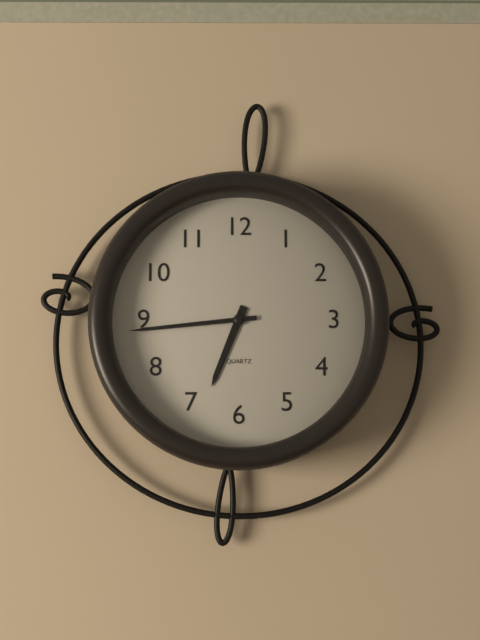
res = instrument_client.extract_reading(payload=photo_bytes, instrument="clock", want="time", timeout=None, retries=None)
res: 6:44
